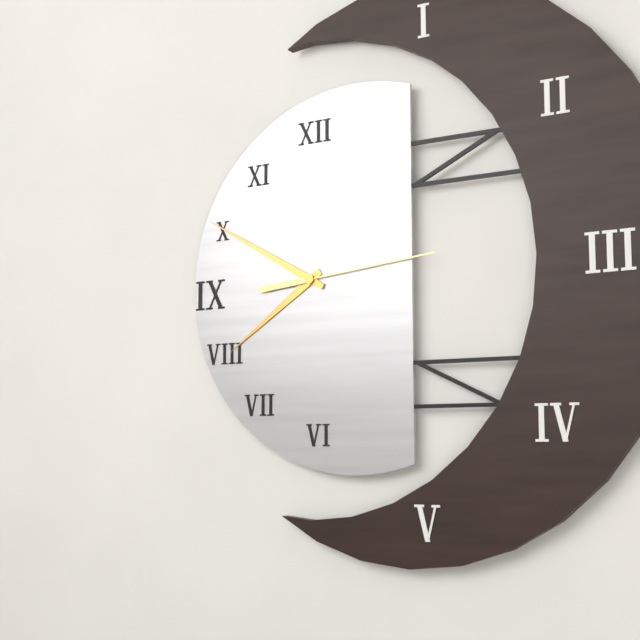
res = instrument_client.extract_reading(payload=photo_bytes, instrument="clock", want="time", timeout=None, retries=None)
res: 7:50:14
